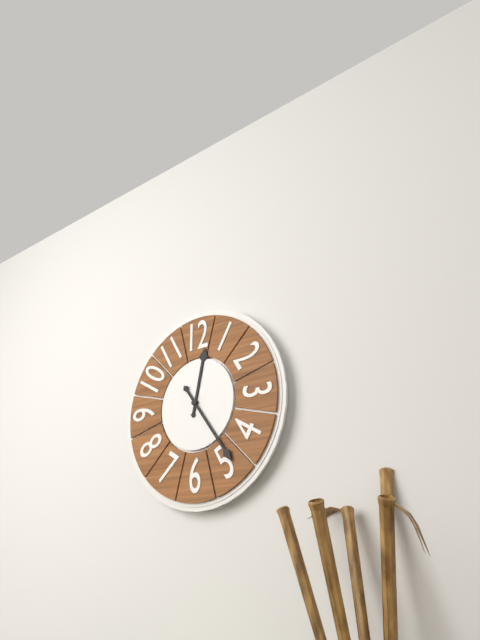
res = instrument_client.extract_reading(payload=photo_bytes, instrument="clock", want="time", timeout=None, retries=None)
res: 12:24
